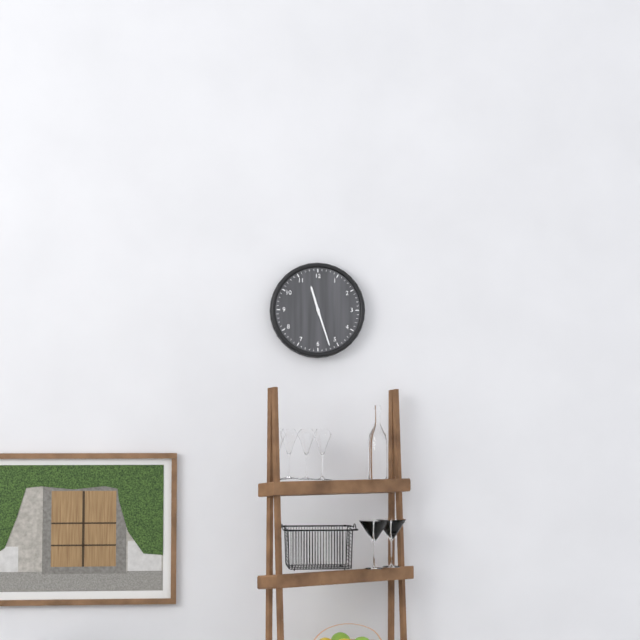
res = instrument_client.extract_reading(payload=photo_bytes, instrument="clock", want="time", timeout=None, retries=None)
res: 11:27
